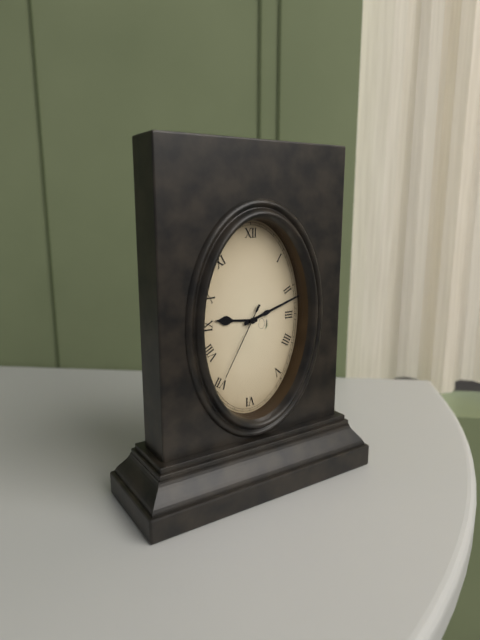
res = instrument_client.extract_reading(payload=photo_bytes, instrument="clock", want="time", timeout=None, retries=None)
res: 9:12:35
